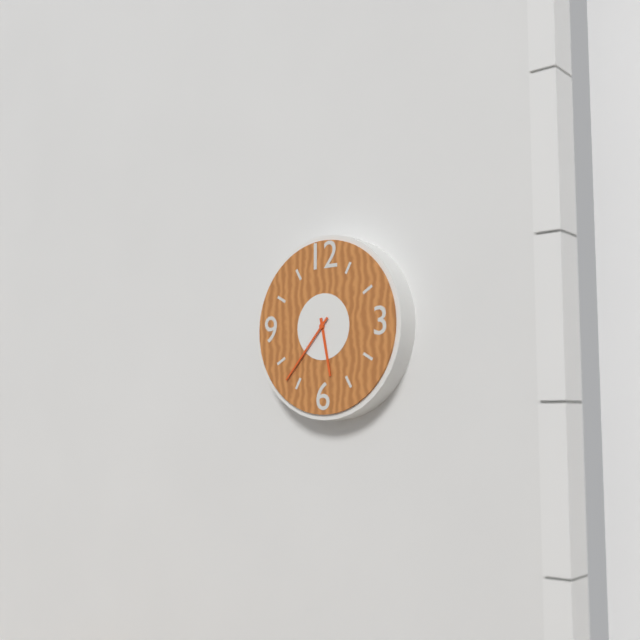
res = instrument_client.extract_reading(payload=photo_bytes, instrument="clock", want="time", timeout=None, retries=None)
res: 5:37
